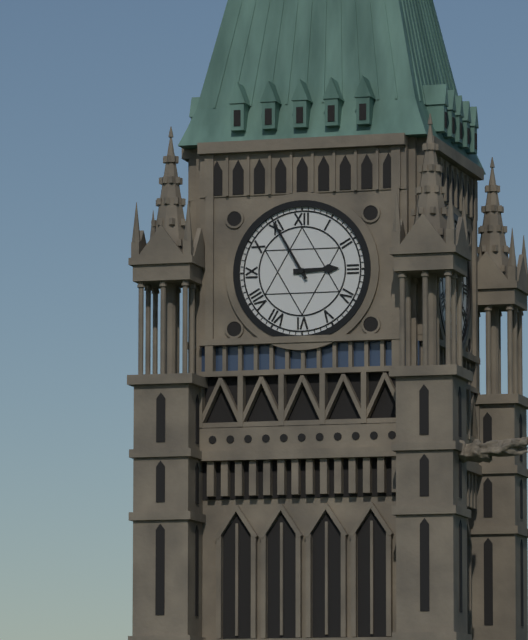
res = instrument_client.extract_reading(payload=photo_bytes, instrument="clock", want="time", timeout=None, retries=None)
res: 2:55
